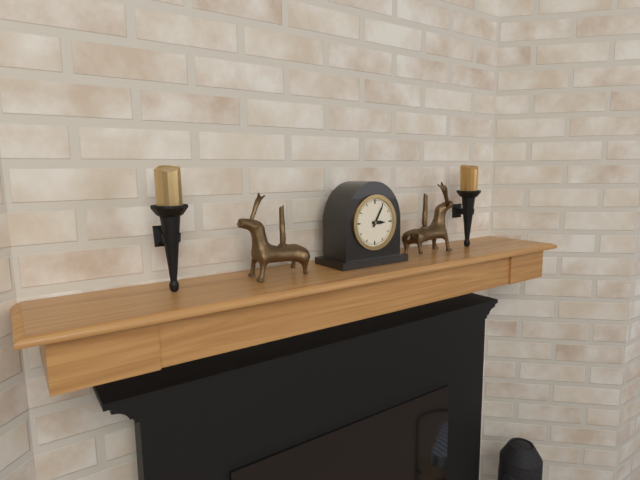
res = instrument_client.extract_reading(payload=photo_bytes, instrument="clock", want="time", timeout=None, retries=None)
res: 3:05
